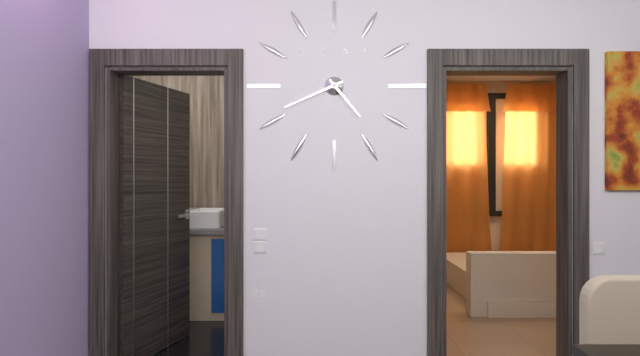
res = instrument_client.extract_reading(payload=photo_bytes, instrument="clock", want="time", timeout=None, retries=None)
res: 4:41
